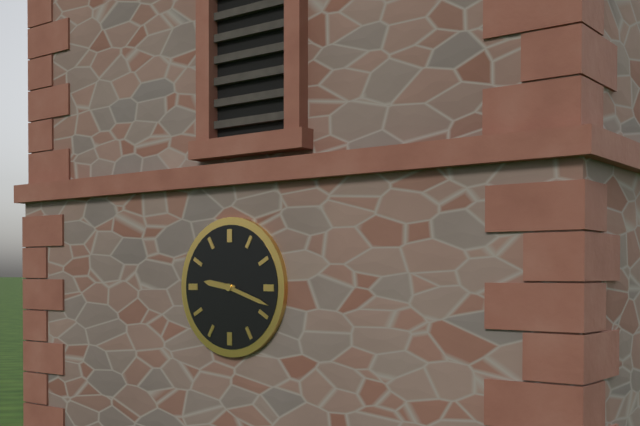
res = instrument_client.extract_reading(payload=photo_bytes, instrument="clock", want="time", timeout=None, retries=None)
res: 9:18
